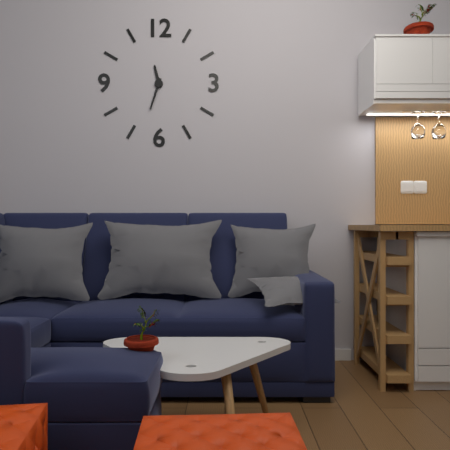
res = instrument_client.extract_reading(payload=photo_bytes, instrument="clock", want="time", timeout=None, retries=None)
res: 11:33
